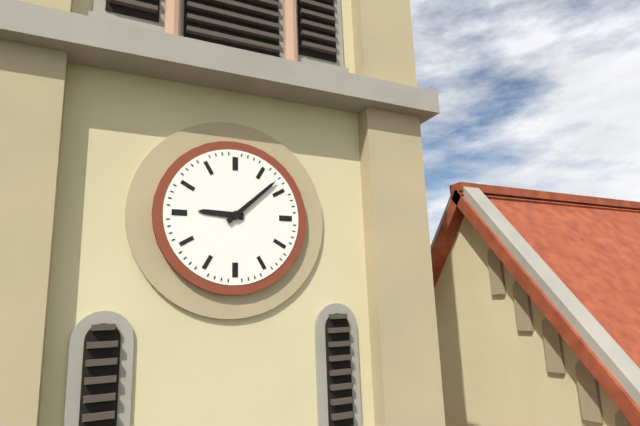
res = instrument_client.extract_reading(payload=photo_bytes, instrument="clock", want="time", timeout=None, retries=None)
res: 9:08
